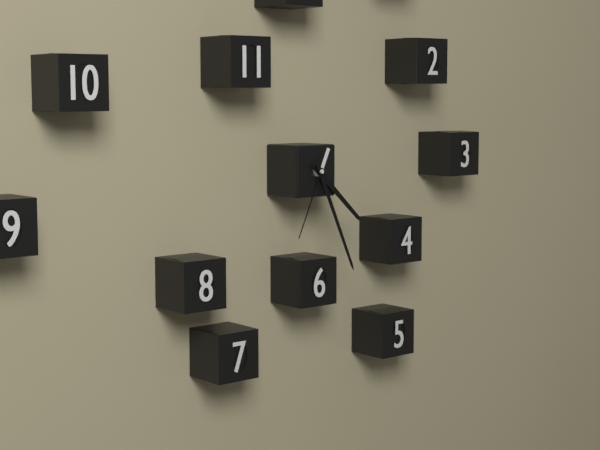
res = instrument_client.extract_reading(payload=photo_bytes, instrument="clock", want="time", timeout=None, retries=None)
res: 4:26:34
